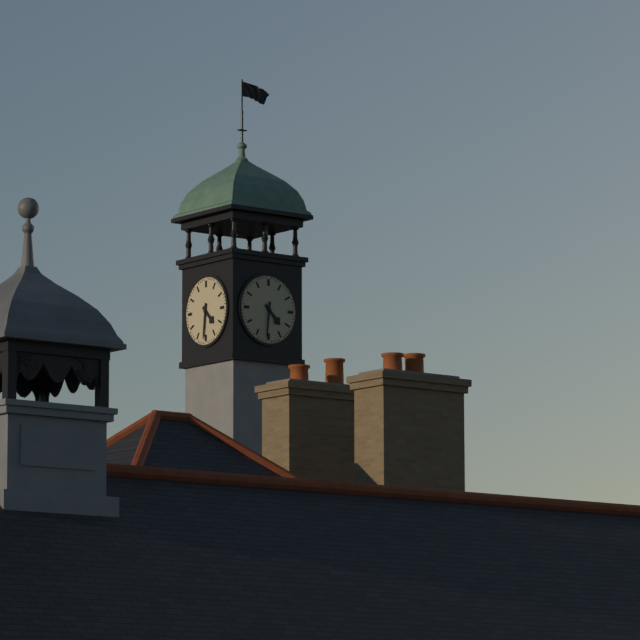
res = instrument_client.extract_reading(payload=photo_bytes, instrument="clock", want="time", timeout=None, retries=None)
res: 4:31
